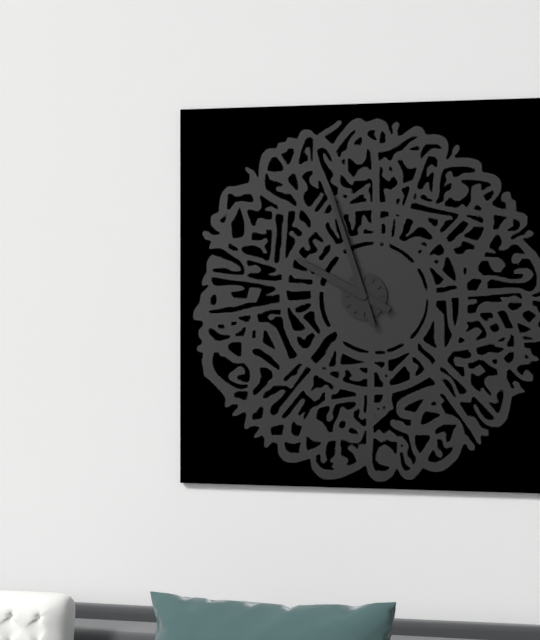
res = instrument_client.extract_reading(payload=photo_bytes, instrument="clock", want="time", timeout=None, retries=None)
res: 9:57
